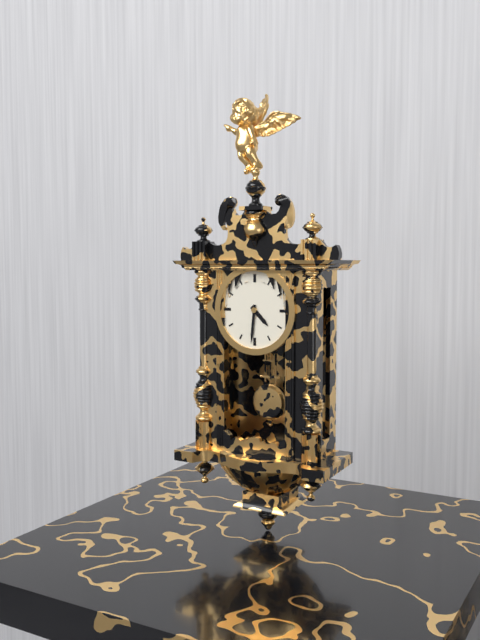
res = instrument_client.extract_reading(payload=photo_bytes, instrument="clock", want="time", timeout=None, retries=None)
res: 4:31
